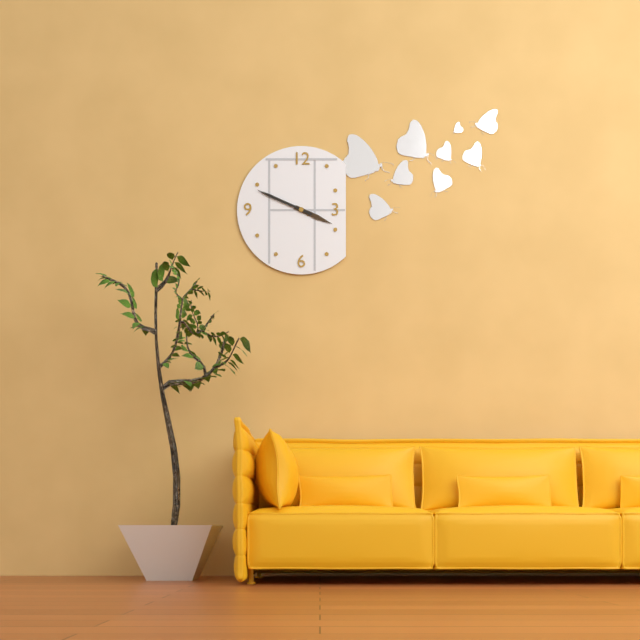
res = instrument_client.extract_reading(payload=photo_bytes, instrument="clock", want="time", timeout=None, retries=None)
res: 3:49
